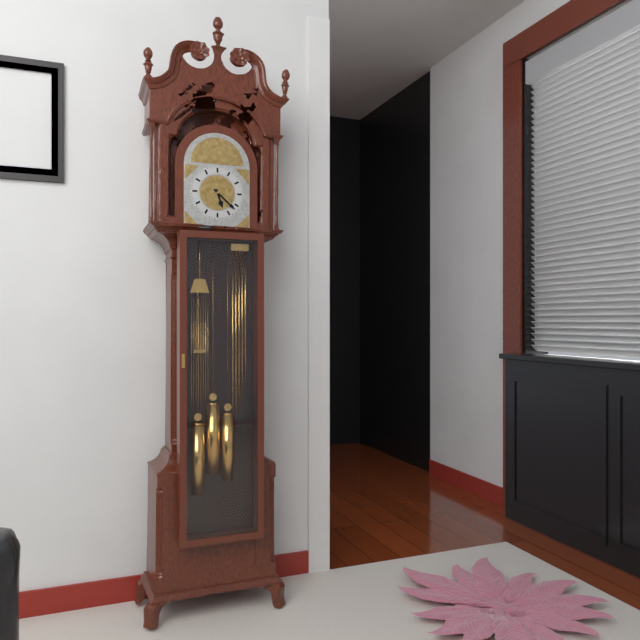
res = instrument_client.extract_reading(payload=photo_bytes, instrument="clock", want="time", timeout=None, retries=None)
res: 5:22
